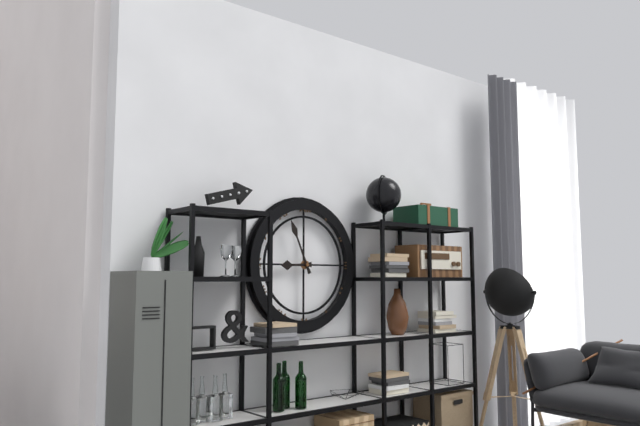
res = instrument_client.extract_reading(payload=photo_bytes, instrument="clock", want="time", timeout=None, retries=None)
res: 8:56
